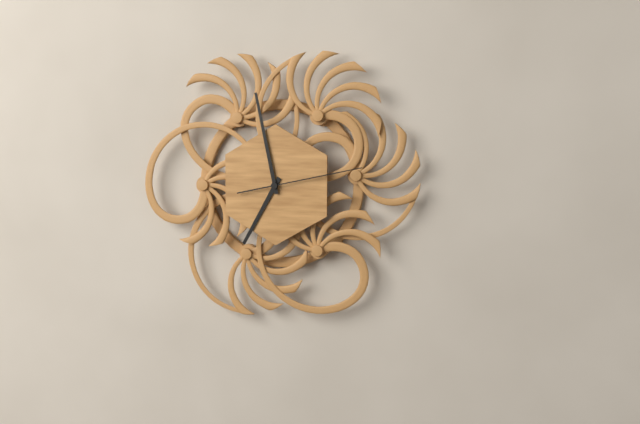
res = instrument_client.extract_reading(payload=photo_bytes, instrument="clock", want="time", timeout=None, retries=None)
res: 6:58:13
